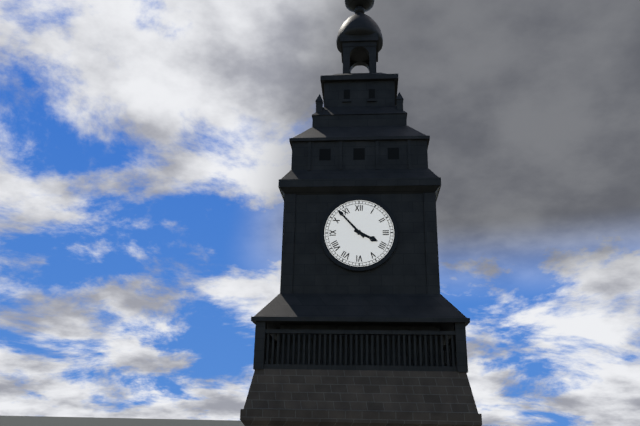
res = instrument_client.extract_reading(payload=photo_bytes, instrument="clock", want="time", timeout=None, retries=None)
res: 3:53
